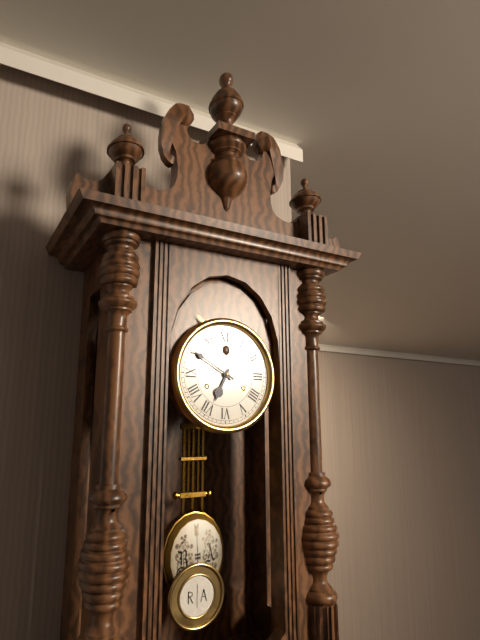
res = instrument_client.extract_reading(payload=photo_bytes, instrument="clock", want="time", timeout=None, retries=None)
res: 6:50
